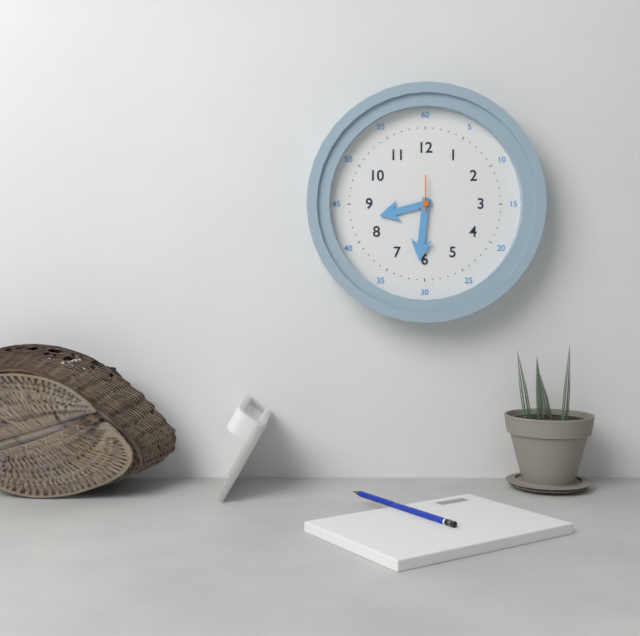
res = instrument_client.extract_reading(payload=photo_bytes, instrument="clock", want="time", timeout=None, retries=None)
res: 8:31
